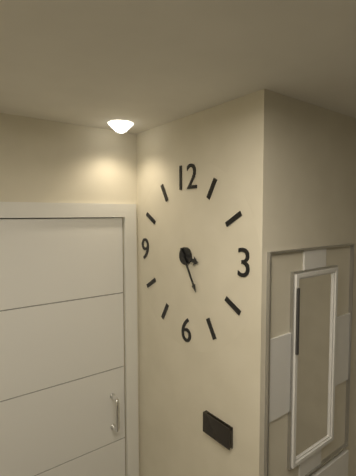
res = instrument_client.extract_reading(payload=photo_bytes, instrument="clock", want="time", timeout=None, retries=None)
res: 3:25
